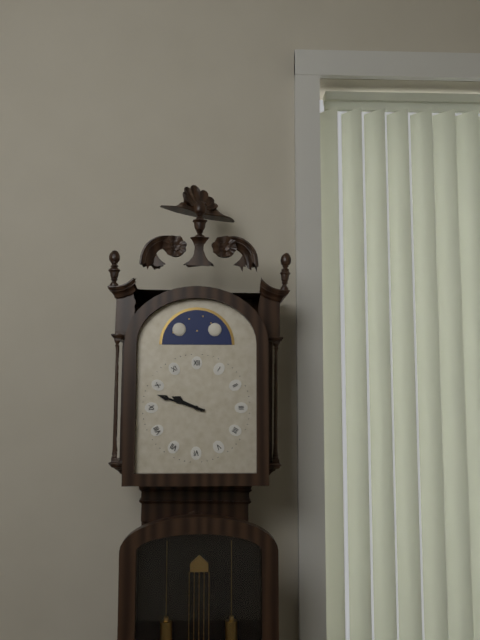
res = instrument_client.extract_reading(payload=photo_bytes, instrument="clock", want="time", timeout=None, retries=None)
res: 9:48
